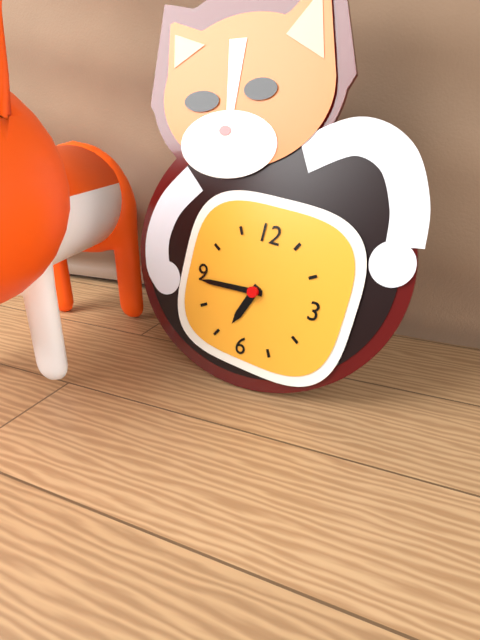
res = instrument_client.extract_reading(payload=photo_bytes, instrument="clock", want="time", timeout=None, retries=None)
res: 6:44
